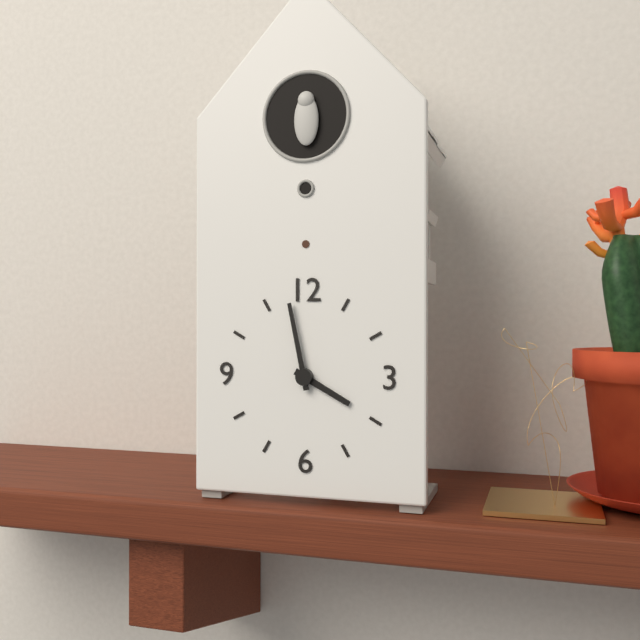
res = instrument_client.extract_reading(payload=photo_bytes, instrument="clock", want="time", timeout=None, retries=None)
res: 3:58
